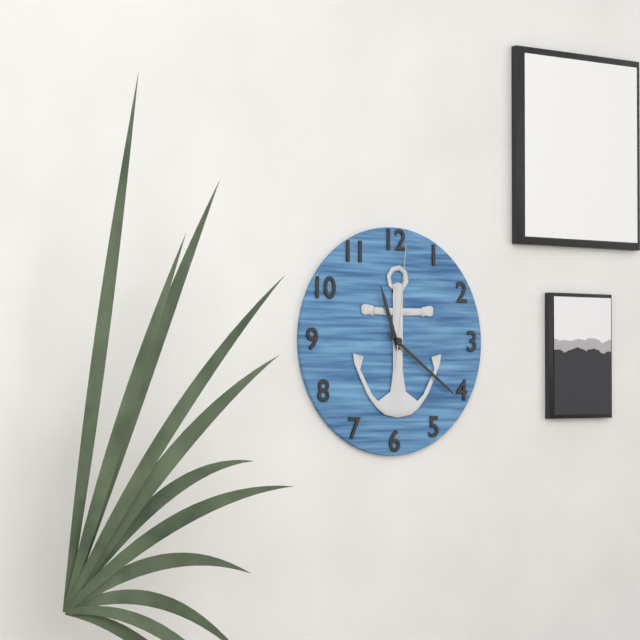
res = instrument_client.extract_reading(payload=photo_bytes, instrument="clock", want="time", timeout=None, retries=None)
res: 11:21:01
